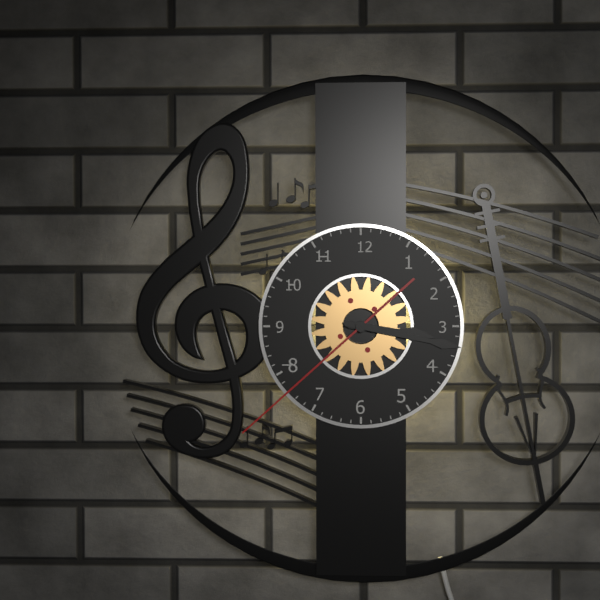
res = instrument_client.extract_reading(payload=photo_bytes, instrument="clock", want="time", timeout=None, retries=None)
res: 3:17:38
